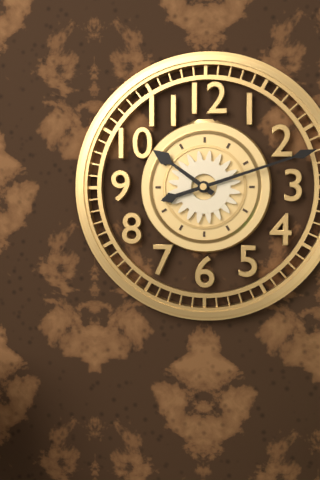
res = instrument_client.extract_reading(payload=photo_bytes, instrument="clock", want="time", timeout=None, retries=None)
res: 10:12
